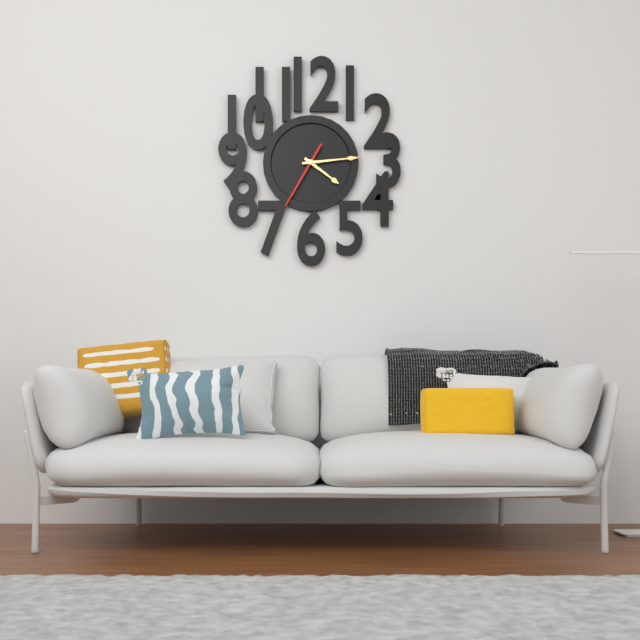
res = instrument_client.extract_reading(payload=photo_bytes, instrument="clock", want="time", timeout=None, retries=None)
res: 4:14:35
